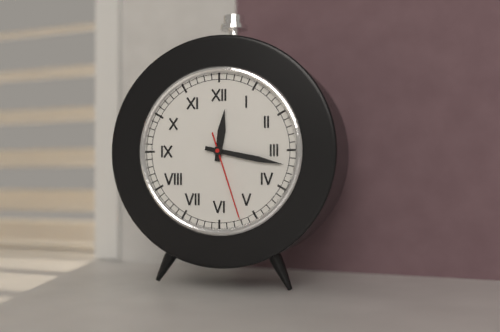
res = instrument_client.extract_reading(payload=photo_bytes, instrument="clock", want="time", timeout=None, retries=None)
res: 12:17:27
